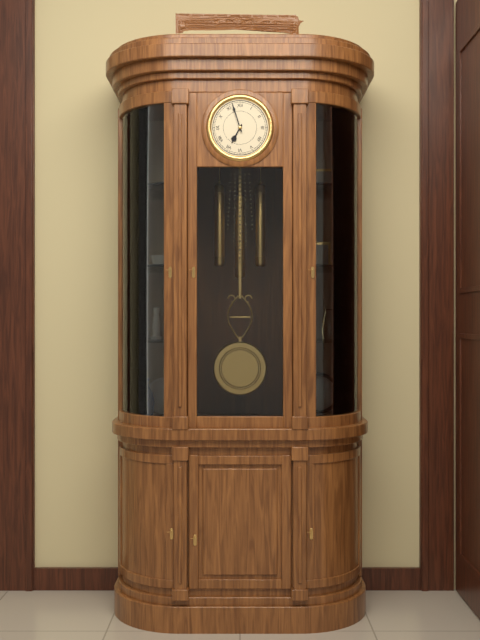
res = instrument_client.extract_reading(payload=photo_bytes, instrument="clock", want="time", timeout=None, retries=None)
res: 6:57
